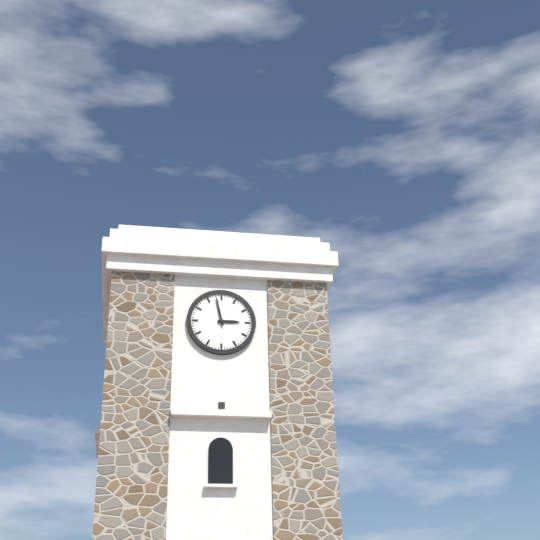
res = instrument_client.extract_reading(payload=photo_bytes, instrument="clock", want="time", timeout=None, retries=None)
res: 2:58
